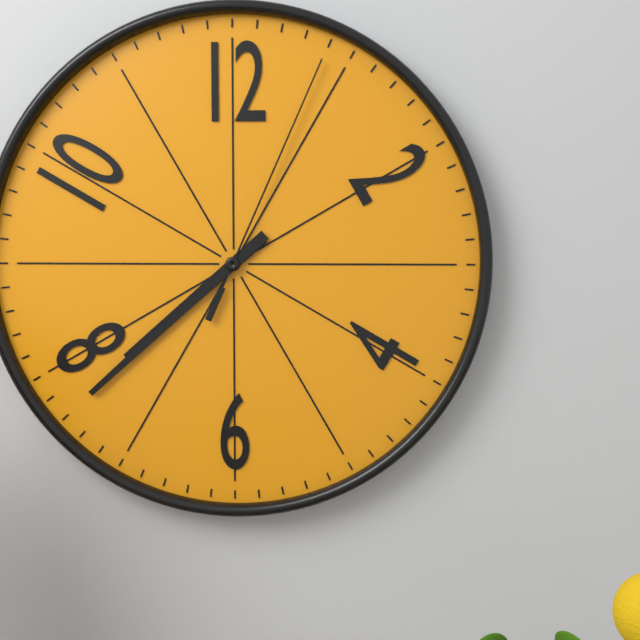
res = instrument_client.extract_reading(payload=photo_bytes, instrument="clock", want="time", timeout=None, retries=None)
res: 7:38:04
